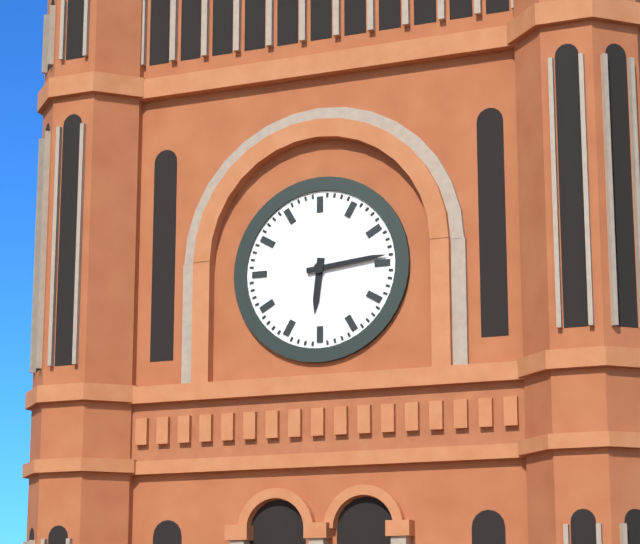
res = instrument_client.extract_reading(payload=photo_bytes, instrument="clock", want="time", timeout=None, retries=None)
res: 6:14
